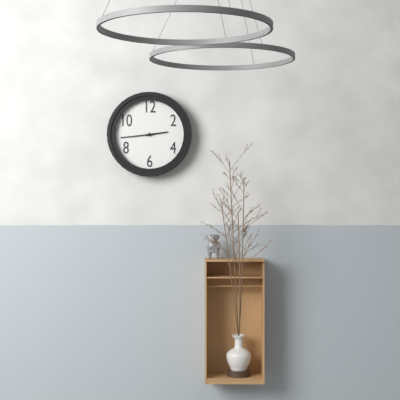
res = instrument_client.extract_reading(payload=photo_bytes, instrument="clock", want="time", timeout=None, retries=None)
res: 2:44
